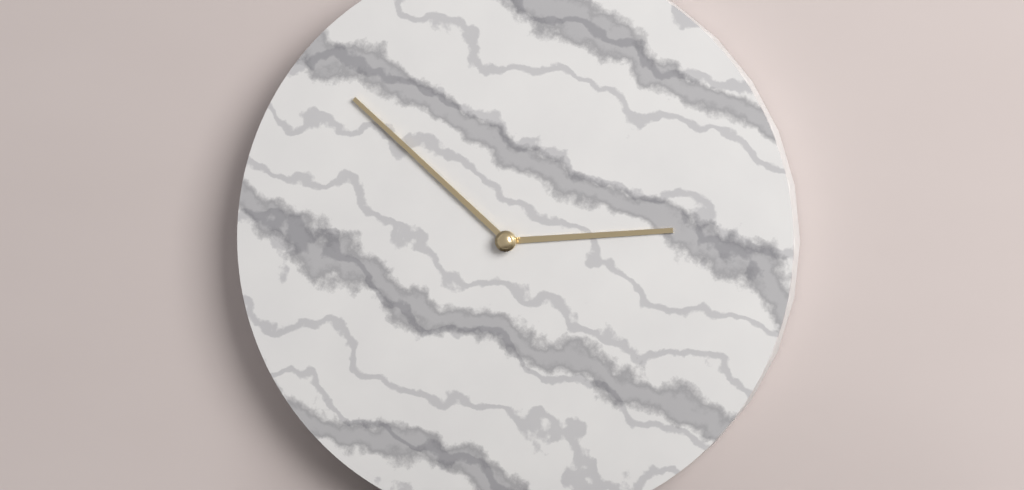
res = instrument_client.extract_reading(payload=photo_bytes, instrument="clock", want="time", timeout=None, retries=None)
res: 2:52
